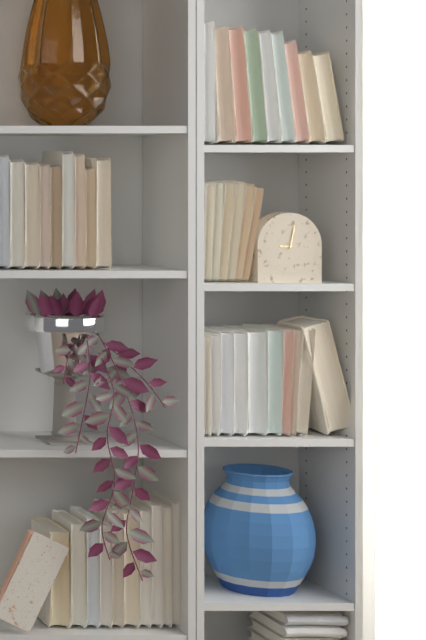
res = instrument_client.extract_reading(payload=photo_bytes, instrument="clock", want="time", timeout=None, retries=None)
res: 9:02
